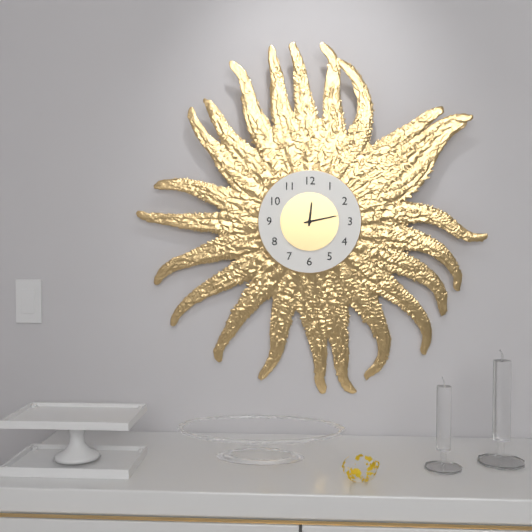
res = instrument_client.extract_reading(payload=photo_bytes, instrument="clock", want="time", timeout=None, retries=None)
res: 12:13
